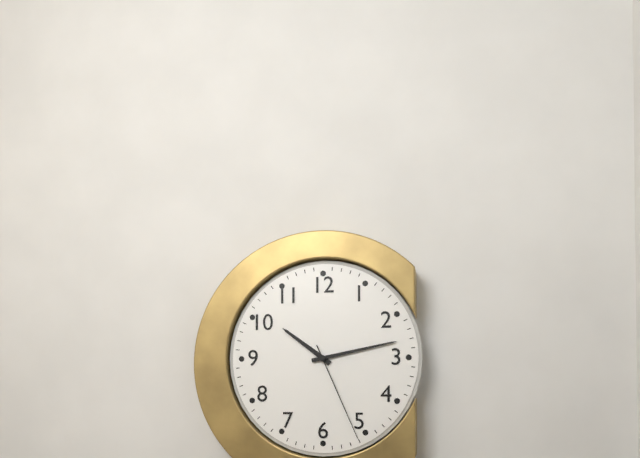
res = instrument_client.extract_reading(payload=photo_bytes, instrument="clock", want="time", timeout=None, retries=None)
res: 10:13:26
